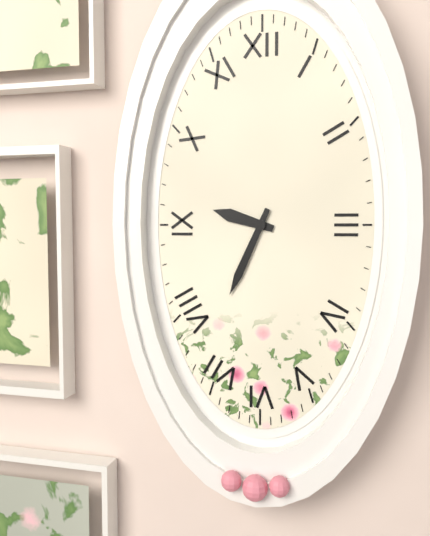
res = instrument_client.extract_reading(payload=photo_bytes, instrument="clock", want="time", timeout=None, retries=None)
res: 9:34
